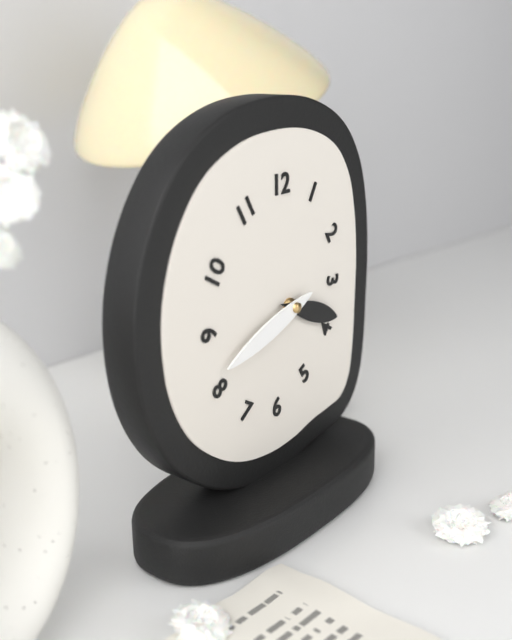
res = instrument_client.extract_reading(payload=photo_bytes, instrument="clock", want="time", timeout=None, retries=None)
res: 3:42
